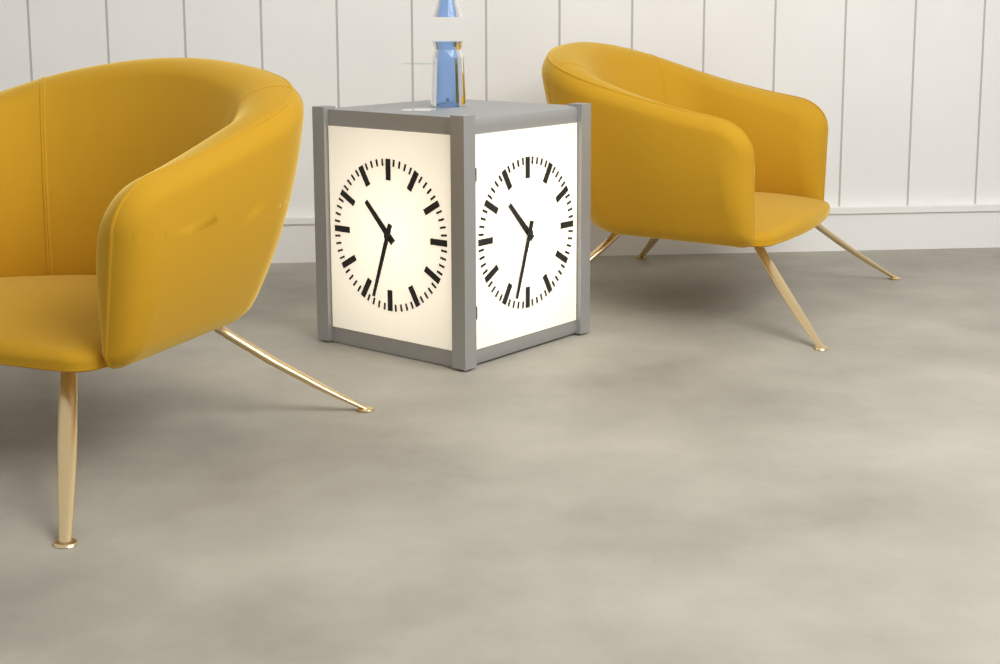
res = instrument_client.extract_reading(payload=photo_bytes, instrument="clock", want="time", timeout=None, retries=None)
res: 10:33
